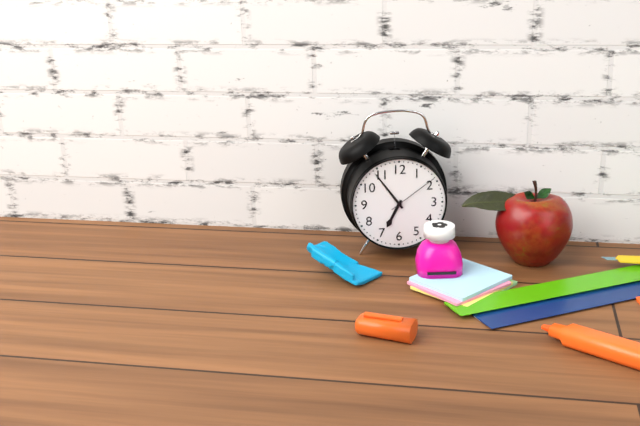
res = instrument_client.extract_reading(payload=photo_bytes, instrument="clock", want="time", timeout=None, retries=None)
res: 6:54:09
